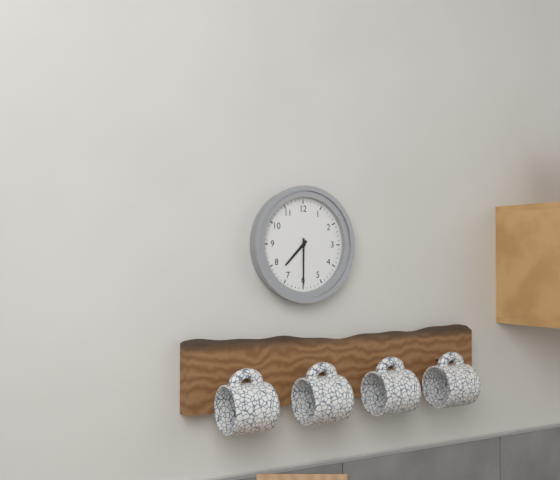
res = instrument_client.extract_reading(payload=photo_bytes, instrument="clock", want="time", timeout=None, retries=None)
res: 7:30
